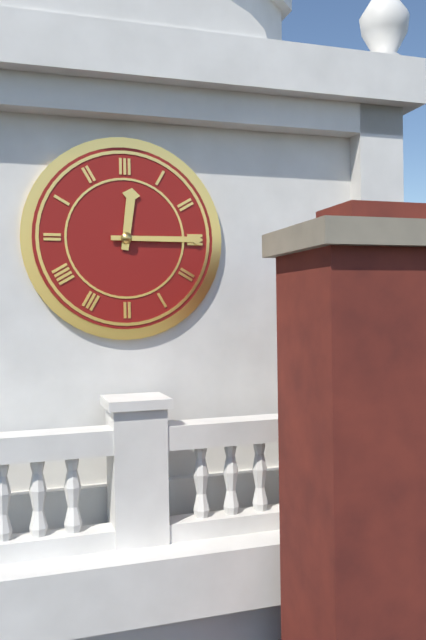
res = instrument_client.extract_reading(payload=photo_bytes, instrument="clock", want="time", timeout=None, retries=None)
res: 12:15
